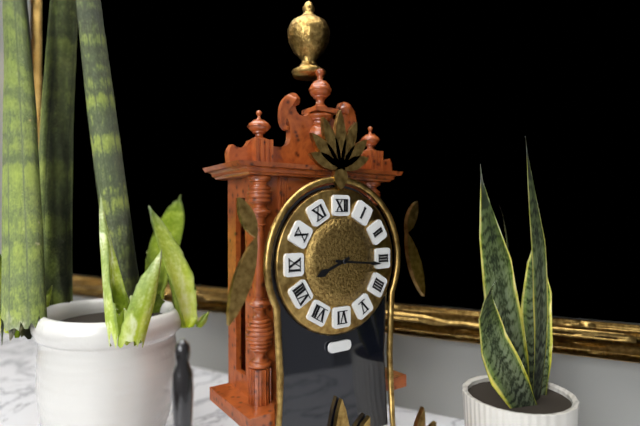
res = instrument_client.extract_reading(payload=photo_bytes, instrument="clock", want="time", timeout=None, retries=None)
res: 8:16
